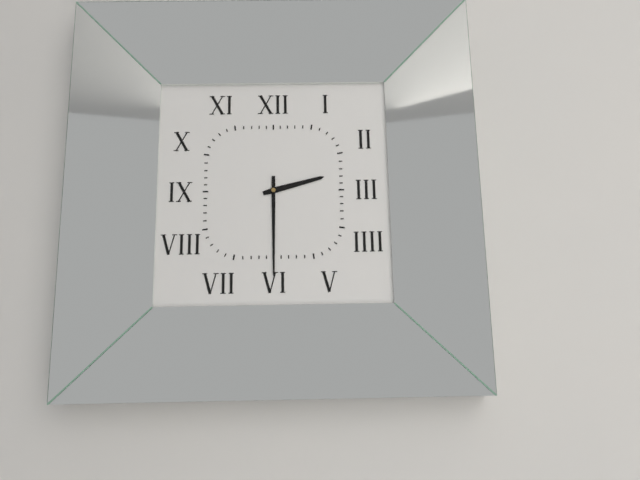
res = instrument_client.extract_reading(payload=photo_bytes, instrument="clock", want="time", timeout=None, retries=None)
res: 2:30
